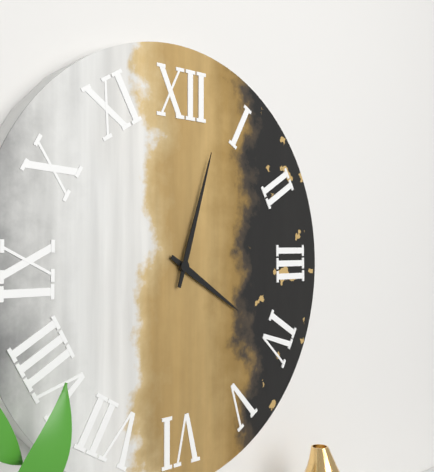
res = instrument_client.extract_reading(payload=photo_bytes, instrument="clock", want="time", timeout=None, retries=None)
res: 4:03
